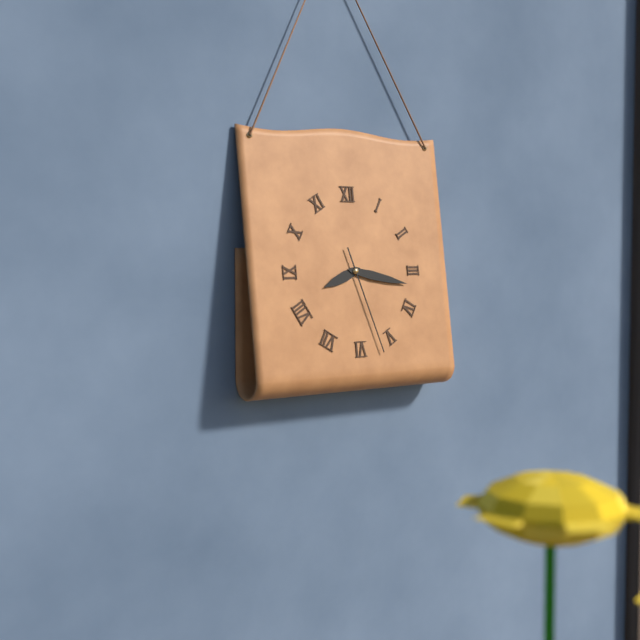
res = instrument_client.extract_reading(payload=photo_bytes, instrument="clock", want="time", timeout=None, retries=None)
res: 8:17:27
